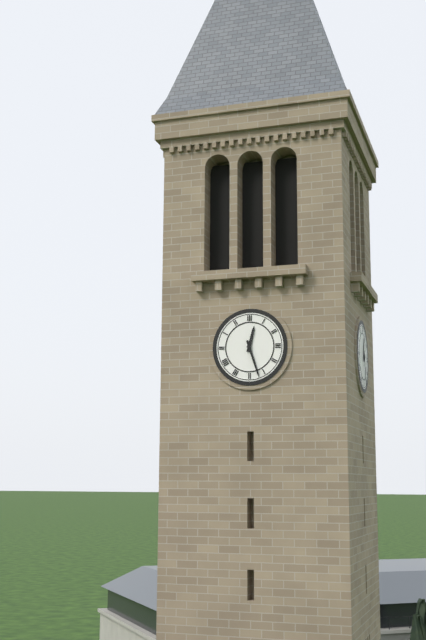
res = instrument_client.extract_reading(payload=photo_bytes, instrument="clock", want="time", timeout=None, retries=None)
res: 12:27
